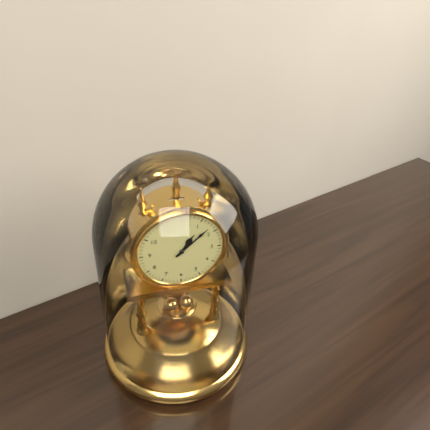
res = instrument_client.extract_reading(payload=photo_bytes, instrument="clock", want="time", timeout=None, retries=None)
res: 1:08
